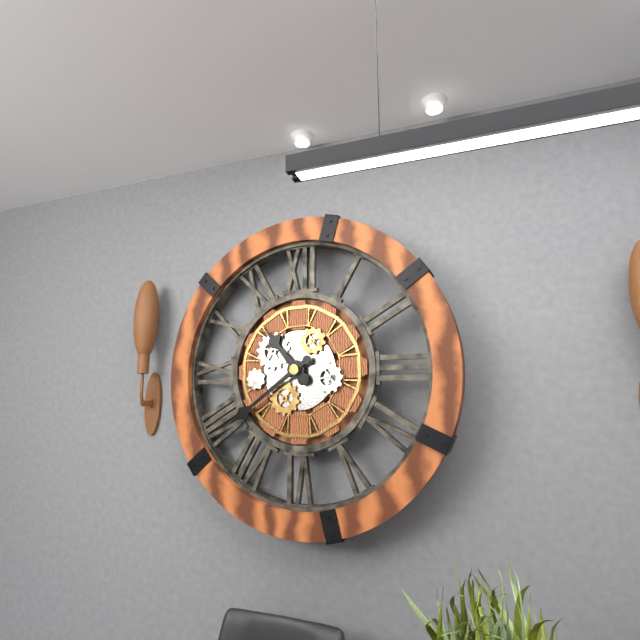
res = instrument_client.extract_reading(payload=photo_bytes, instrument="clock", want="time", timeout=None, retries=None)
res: 10:39
